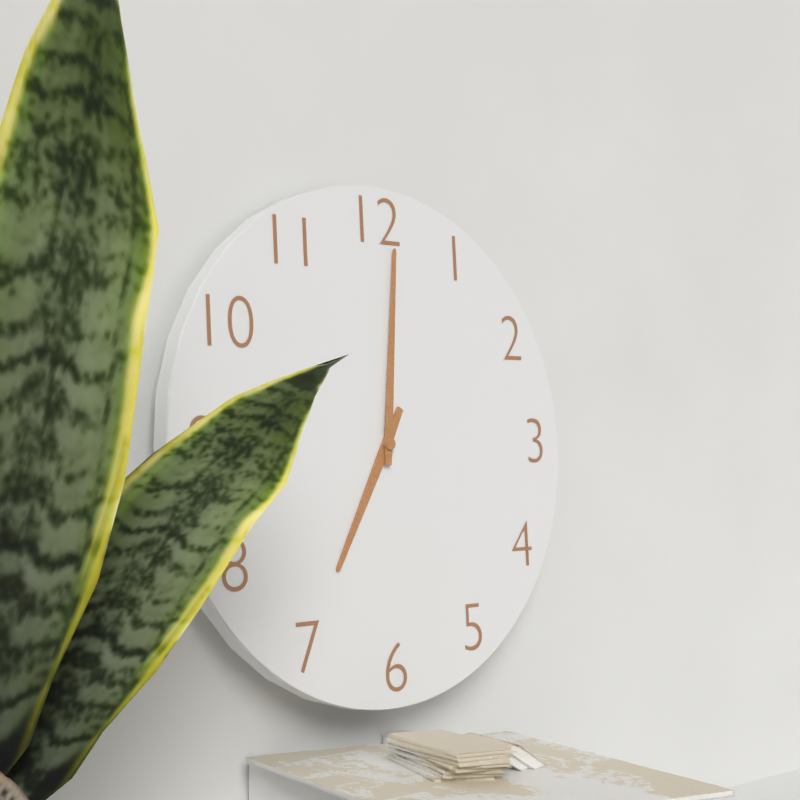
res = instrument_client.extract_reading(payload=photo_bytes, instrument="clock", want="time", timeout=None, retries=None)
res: 7:01
